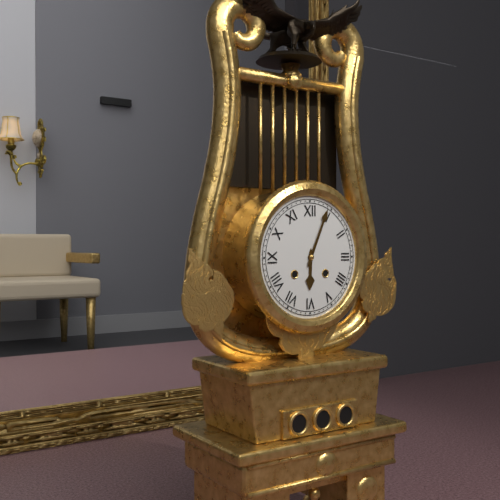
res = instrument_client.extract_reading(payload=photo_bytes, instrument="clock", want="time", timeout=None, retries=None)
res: 6:04
